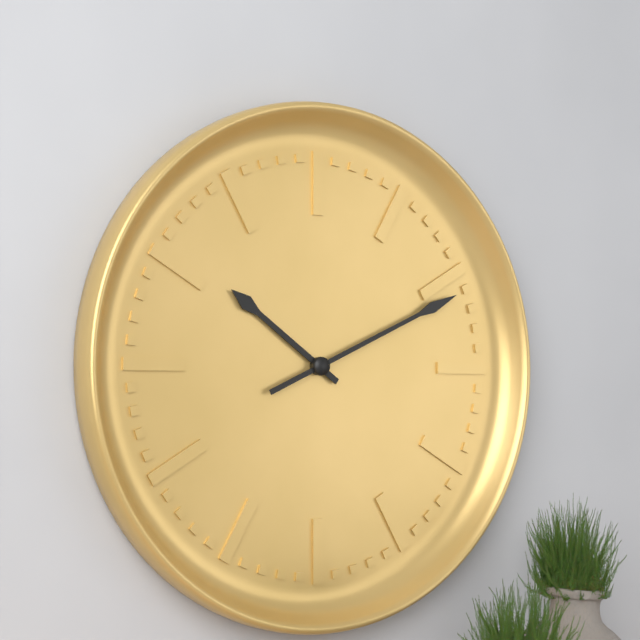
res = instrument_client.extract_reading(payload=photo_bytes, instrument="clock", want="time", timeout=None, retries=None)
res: 10:11
